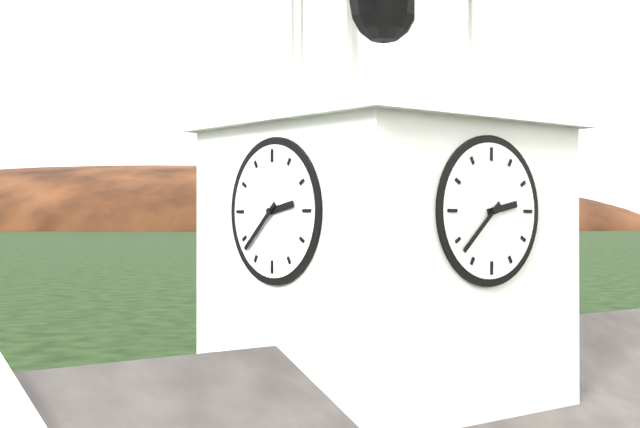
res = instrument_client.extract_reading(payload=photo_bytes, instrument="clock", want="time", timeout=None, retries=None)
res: 2:38
